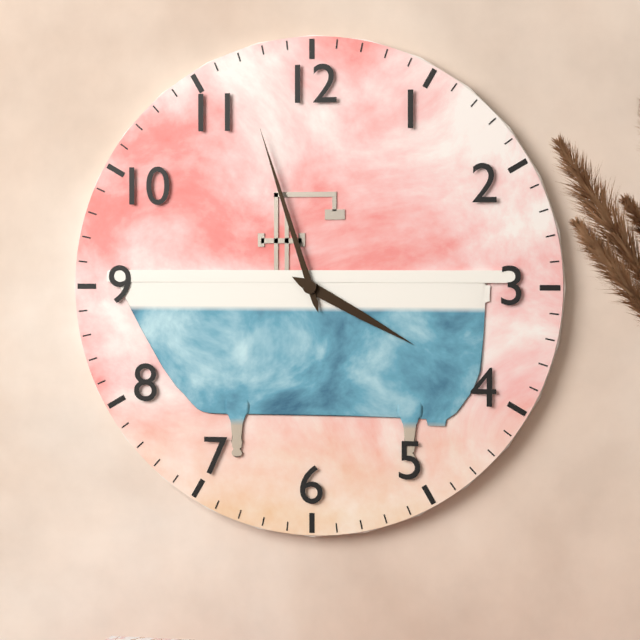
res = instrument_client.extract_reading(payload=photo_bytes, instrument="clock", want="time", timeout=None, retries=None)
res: 3:57
